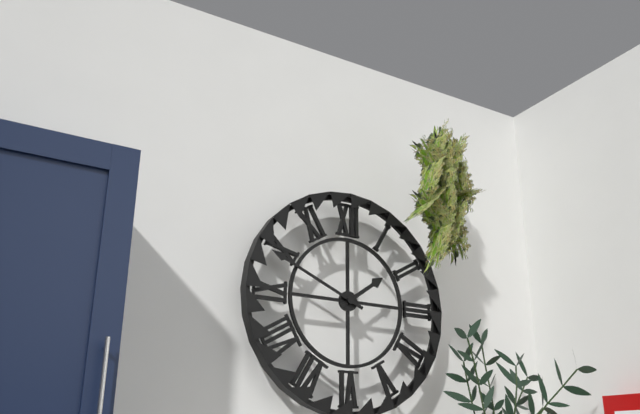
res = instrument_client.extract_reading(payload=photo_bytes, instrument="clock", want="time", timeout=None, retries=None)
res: 1:49
